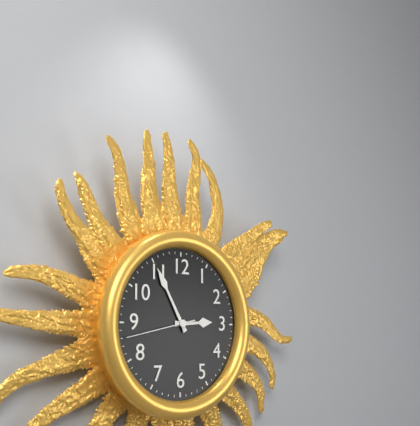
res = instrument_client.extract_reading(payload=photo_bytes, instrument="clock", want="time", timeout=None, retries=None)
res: 2:55:43
